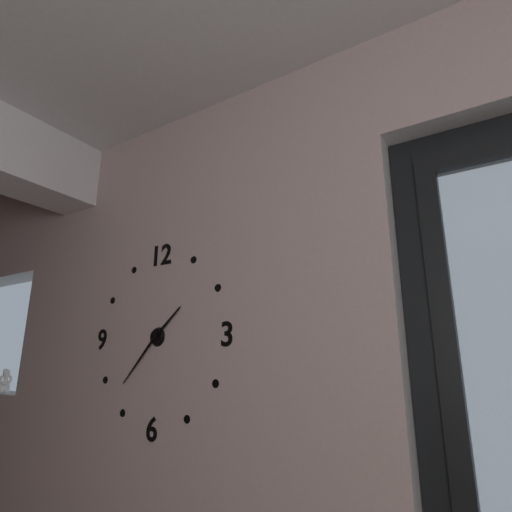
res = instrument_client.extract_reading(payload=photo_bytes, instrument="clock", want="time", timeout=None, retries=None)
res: 1:37
